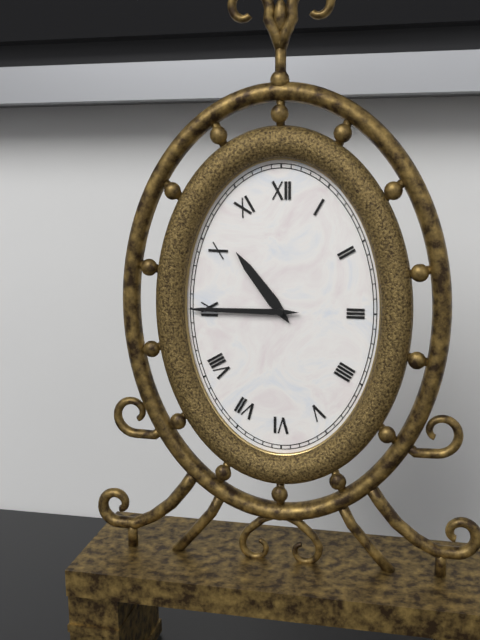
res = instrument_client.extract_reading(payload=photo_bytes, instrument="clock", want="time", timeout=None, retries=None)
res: 10:45
